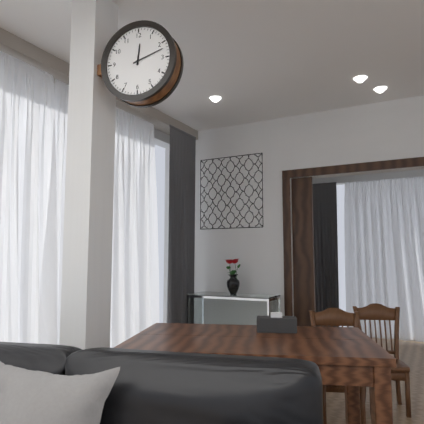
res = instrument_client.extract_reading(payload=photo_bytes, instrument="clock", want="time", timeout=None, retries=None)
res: 12:12
